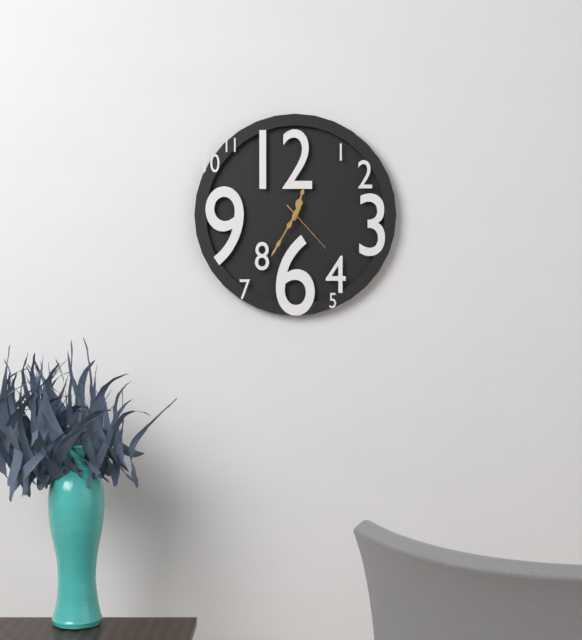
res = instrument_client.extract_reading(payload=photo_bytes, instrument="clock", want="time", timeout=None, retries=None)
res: 12:35:23
